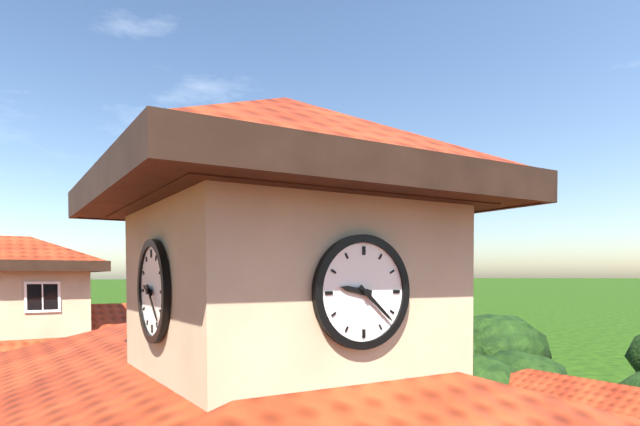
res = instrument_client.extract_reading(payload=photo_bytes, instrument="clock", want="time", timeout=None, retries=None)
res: 9:22
